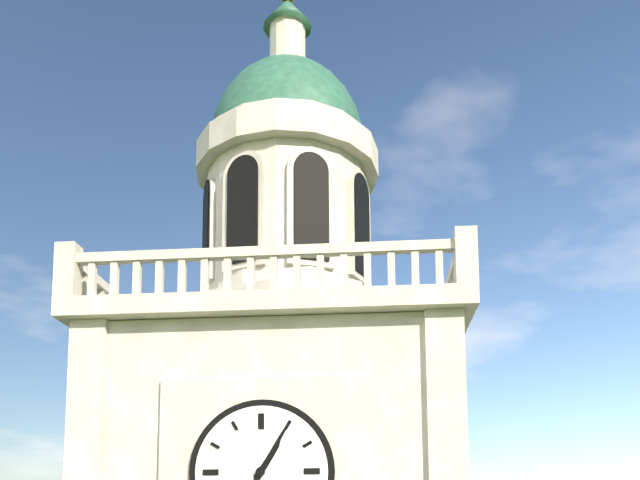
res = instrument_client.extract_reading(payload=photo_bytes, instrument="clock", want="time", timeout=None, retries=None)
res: 1:05
